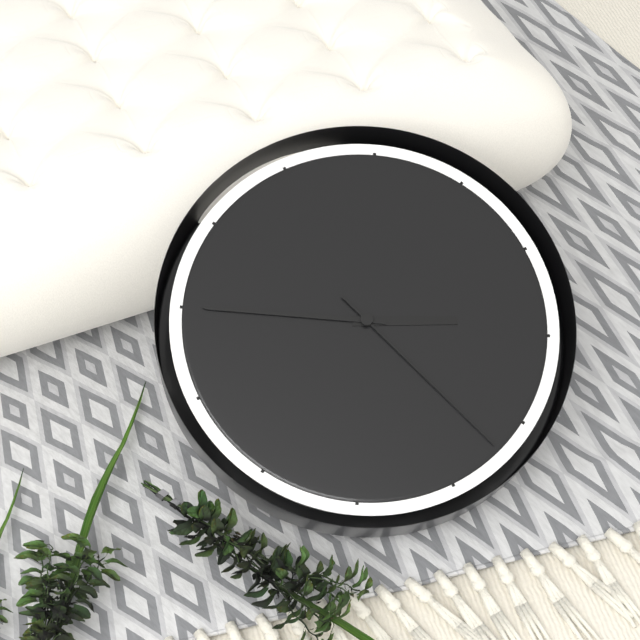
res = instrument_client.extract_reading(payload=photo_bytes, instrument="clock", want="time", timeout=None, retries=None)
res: 3:50:27
